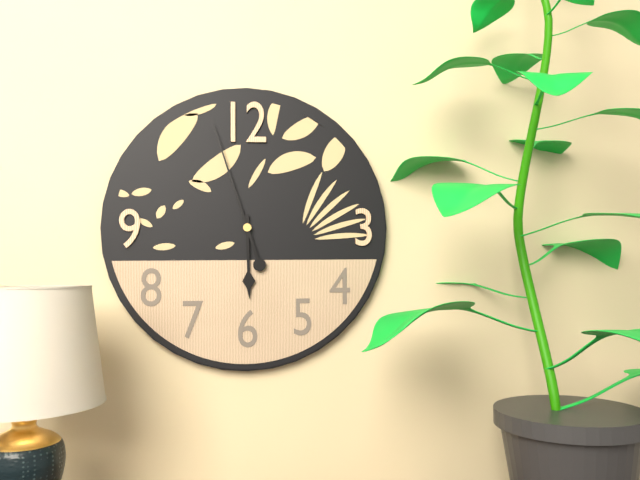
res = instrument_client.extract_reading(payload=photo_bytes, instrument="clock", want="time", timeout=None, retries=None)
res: 5:57
